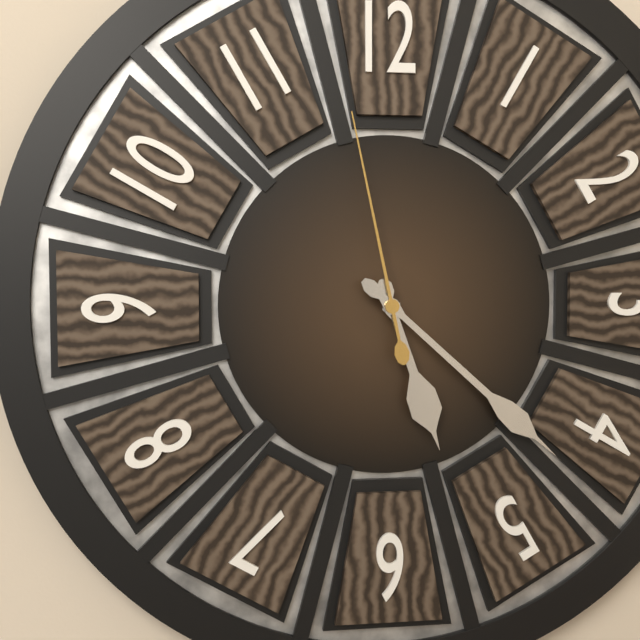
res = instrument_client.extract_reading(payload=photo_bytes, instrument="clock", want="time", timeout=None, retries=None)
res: 5:22:58
